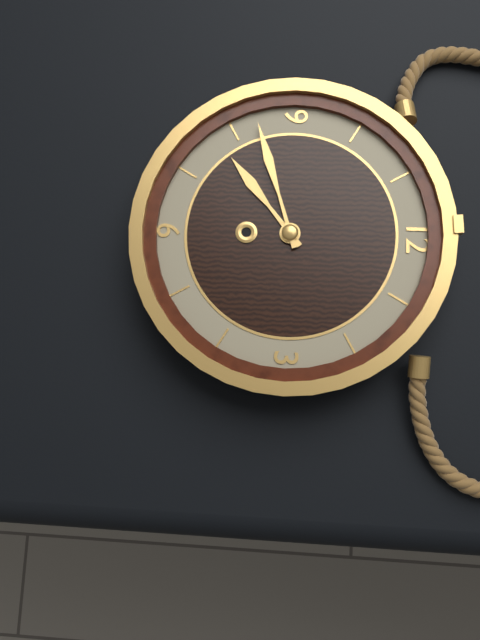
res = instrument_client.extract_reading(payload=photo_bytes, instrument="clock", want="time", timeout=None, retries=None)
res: 7:42
